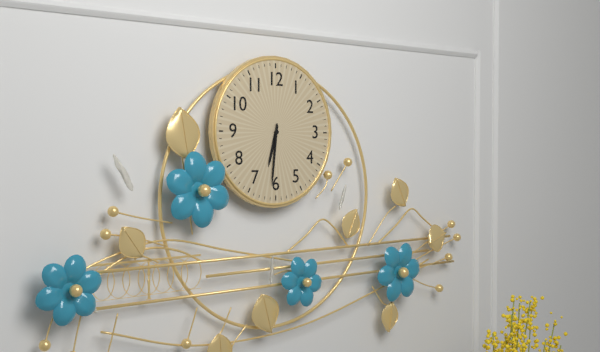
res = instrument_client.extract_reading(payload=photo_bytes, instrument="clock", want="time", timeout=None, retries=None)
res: 6:31
